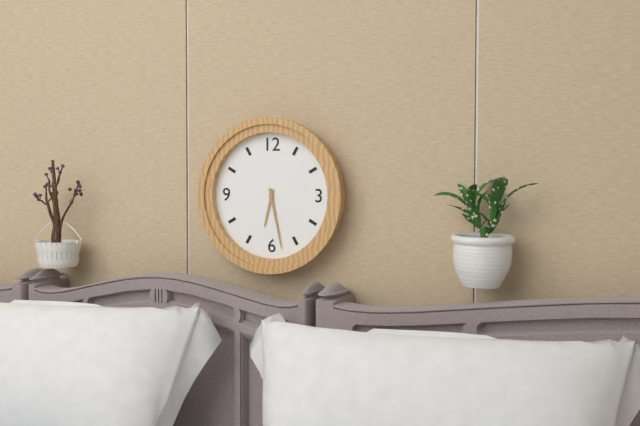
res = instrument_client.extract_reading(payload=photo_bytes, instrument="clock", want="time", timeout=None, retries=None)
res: 6:28
